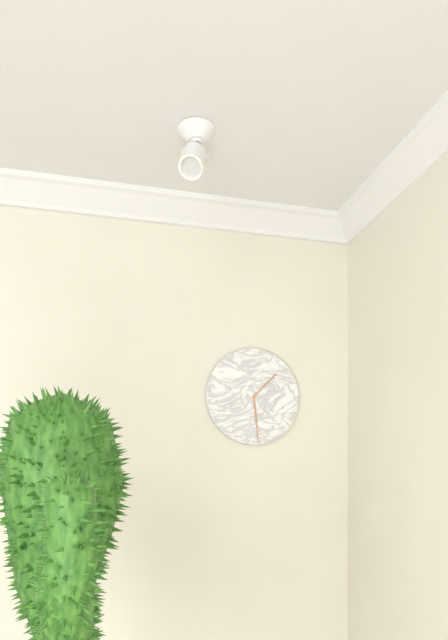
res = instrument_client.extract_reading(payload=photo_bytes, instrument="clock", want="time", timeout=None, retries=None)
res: 1:29
